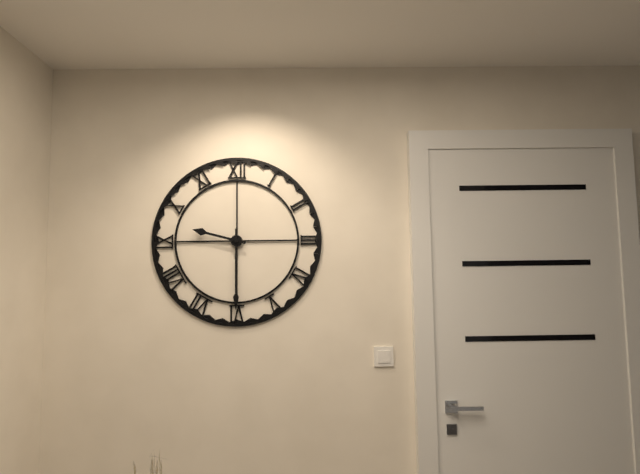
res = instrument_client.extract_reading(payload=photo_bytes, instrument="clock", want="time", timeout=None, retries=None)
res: 9:30
